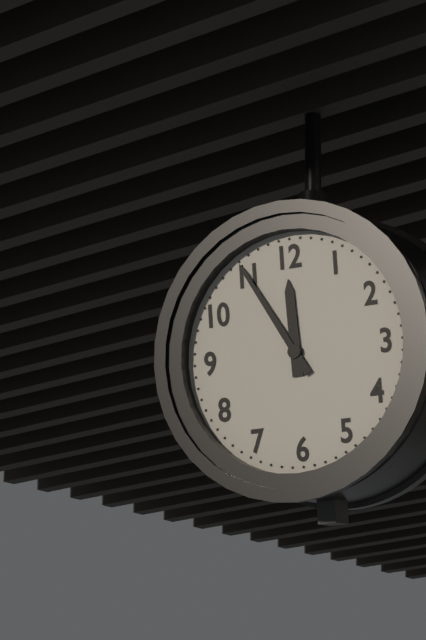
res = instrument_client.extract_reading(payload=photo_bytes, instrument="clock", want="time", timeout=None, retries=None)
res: 11:55
